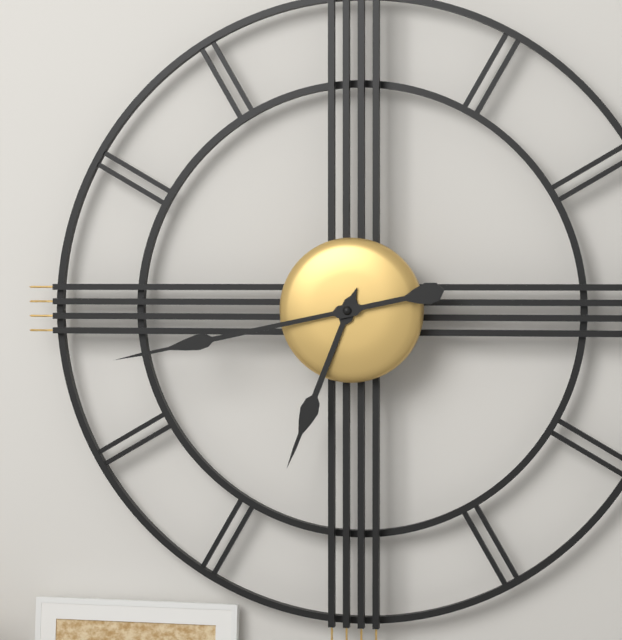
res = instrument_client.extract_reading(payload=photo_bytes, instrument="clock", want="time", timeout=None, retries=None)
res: 6:43
